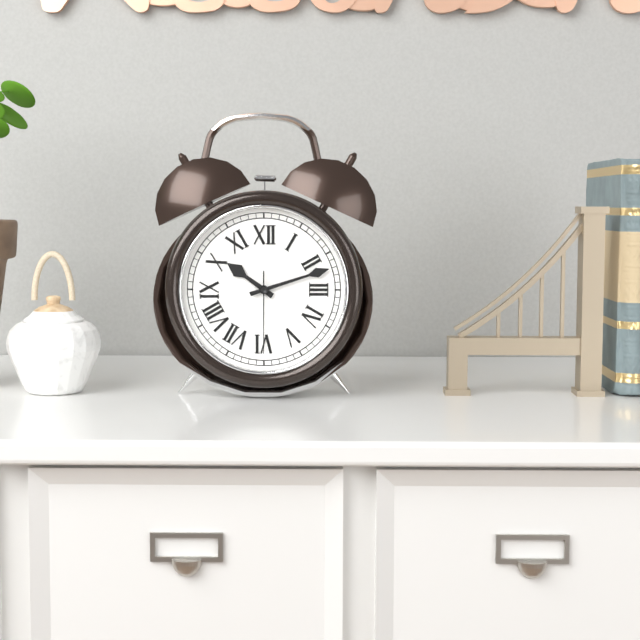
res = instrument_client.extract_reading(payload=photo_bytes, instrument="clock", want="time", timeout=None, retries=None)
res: 10:12:30
